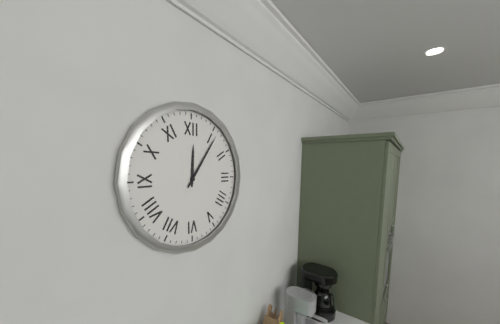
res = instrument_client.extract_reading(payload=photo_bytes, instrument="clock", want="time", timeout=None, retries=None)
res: 12:06
